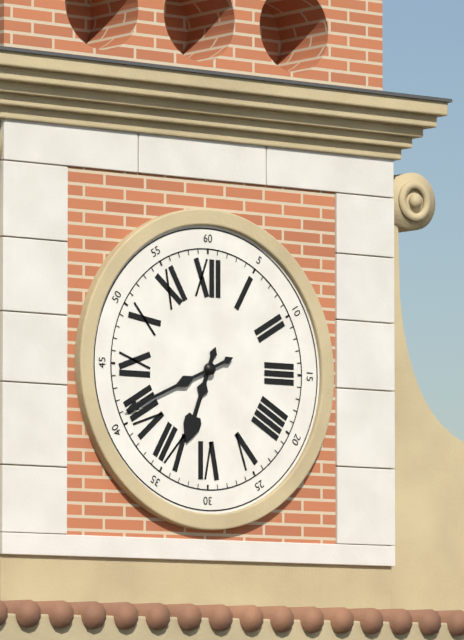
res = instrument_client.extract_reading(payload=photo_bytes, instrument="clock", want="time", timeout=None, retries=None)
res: 6:41
